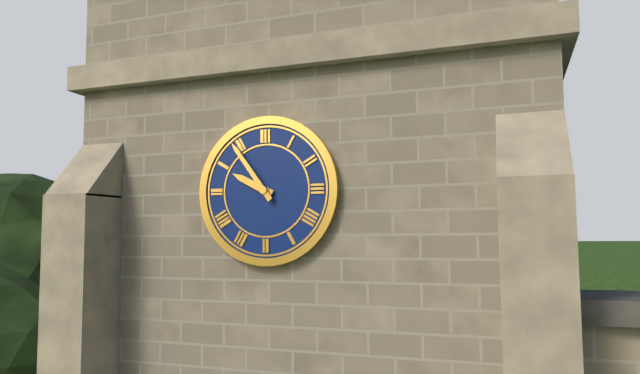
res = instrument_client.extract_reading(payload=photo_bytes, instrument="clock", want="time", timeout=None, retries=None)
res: 9:54
